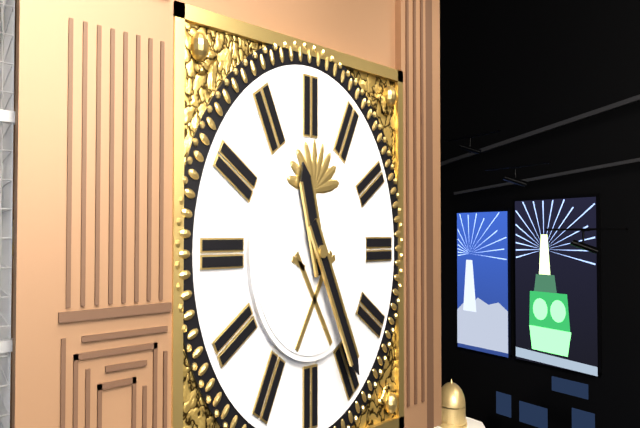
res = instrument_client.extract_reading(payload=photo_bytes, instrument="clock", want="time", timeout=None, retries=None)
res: 11:25
